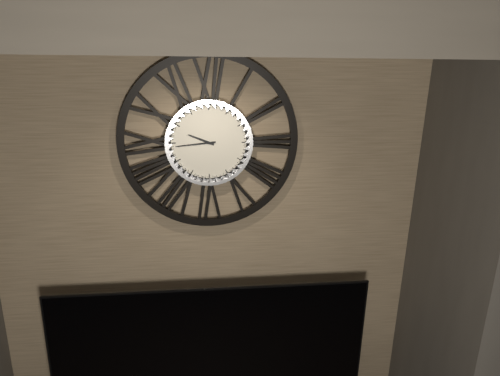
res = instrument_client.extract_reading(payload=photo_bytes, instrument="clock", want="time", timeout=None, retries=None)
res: 9:44
